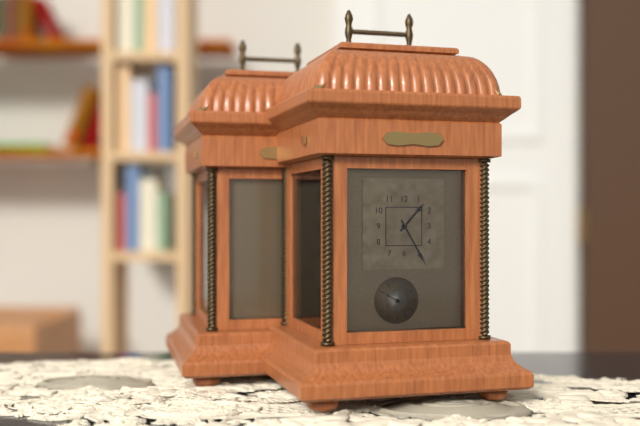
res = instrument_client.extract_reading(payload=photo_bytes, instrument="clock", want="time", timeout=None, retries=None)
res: 1:25
